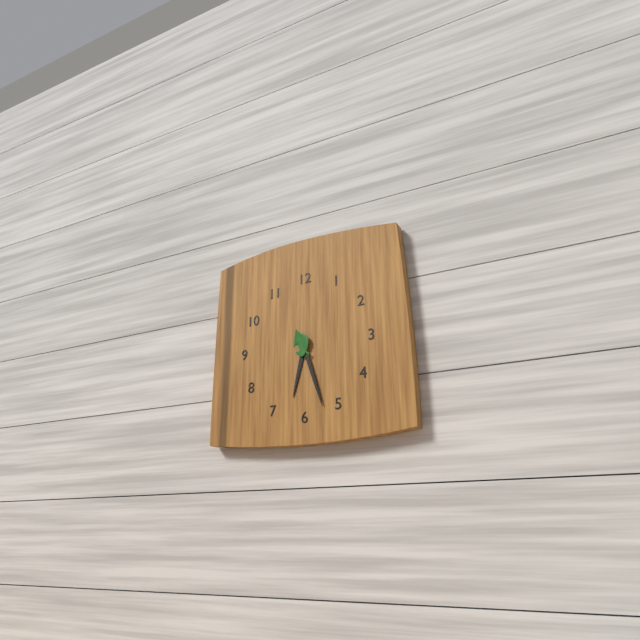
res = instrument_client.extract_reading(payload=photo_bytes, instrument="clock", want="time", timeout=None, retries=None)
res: 6:27
